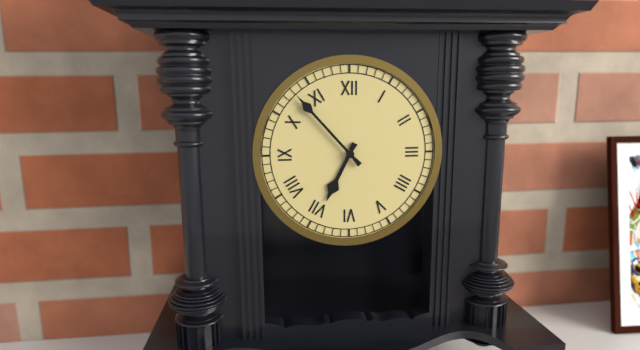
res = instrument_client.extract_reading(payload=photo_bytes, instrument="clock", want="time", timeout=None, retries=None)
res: 6:53
